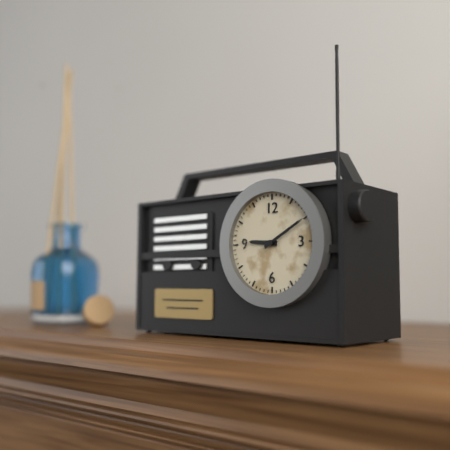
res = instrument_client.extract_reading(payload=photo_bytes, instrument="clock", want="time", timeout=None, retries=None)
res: 9:10
